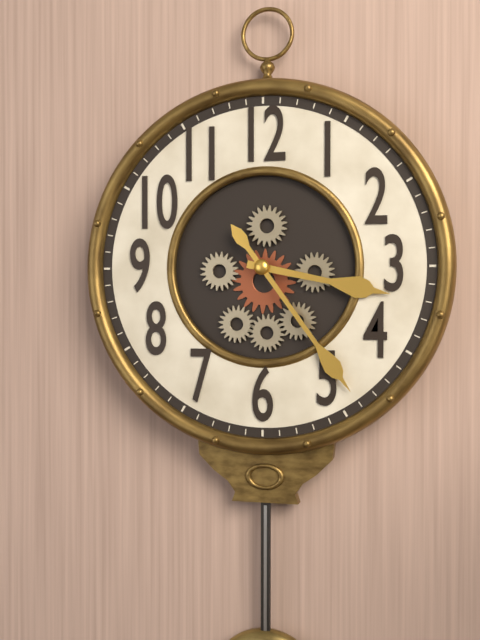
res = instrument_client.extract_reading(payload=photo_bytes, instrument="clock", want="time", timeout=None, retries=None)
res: 3:24
